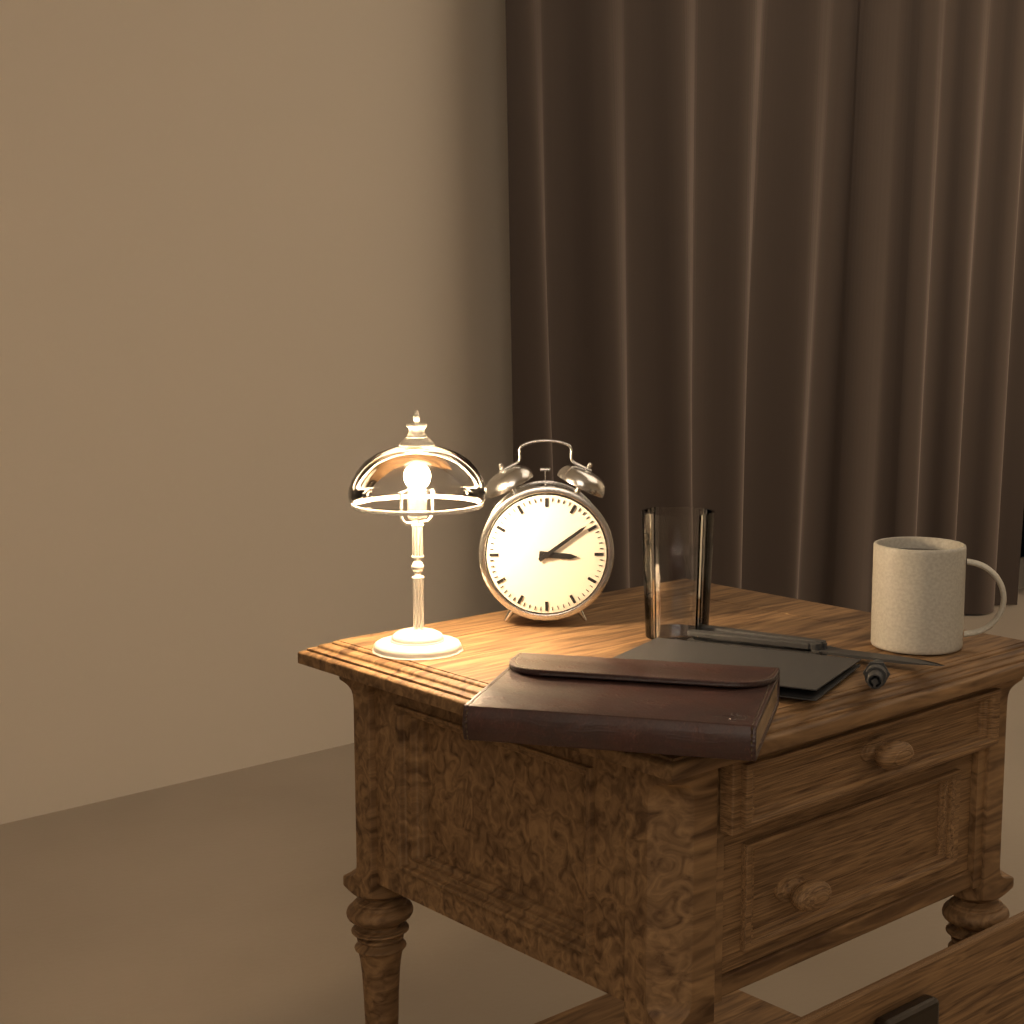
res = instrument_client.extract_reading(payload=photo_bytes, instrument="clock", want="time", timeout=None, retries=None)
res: 3:09
